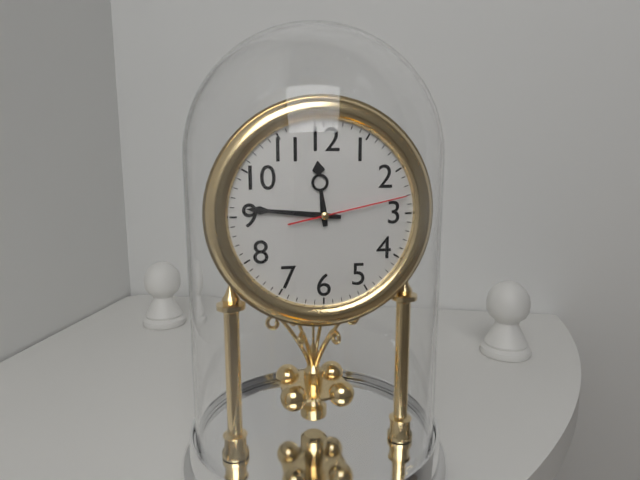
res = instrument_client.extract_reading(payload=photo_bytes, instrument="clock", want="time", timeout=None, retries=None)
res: 11:46:13
